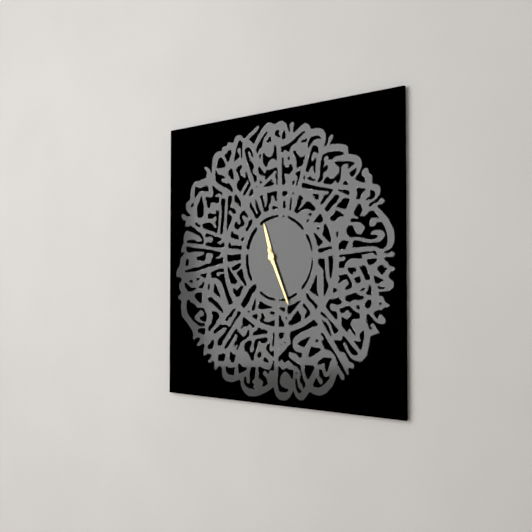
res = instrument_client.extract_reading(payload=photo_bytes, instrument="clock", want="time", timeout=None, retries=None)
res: 11:26
